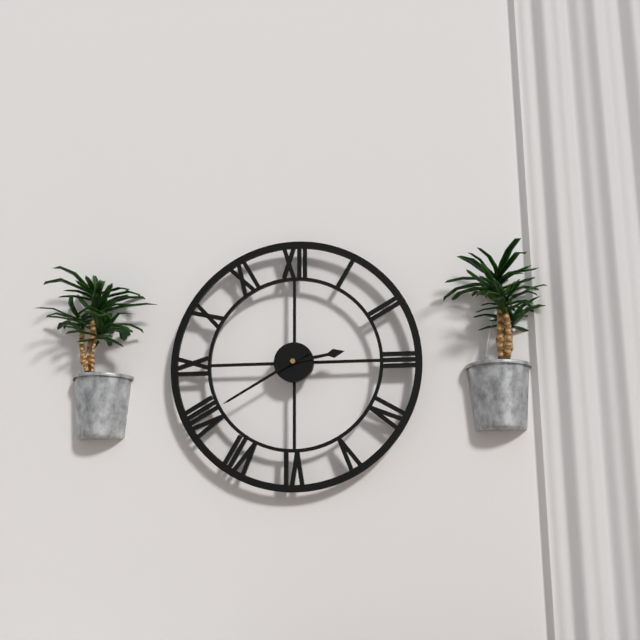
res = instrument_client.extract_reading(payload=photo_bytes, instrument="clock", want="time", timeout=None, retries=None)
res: 2:40
